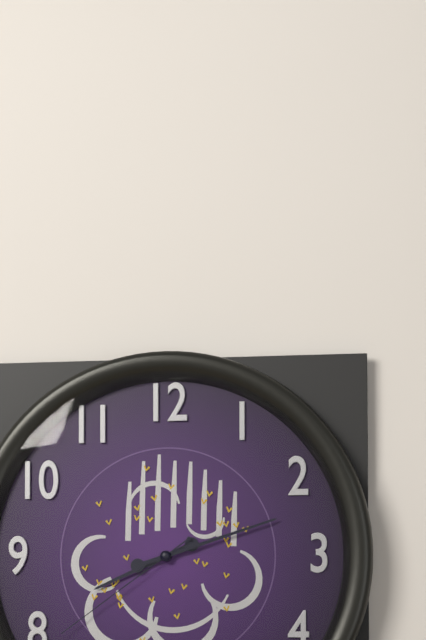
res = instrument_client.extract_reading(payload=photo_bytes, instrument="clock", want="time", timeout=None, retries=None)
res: 8:12:39
